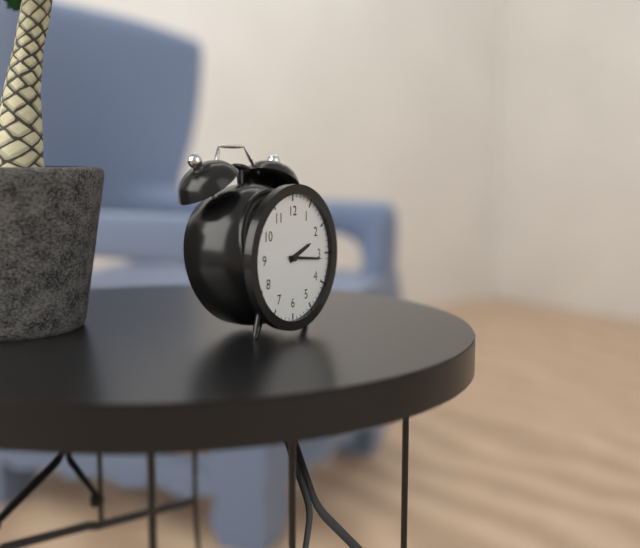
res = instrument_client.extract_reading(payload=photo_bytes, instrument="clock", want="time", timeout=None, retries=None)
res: 2:16
